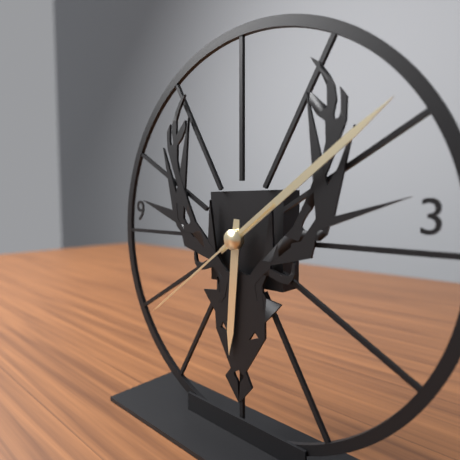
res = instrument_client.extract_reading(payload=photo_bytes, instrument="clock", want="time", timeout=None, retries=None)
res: 6:09:39
